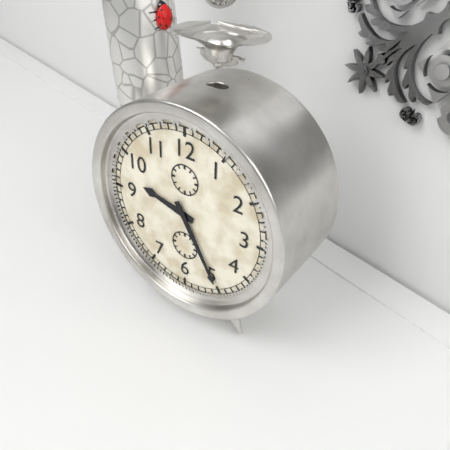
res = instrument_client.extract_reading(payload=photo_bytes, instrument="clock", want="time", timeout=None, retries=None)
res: 9:25
